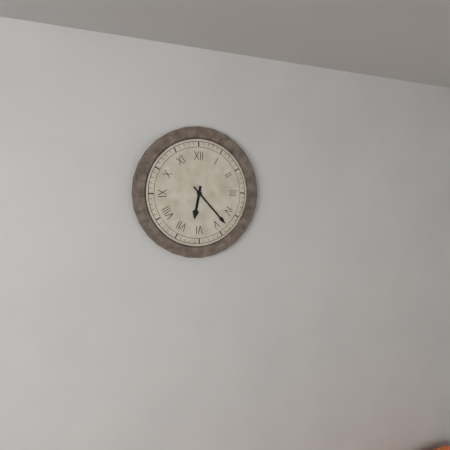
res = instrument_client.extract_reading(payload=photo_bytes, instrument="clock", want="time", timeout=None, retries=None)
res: 6:23
